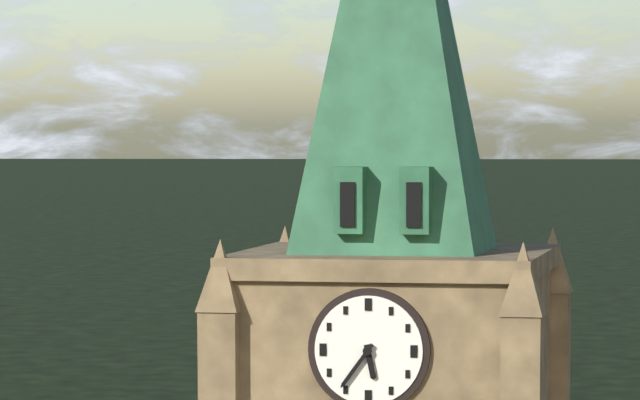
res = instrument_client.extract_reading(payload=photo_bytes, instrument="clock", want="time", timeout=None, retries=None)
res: 5:36
